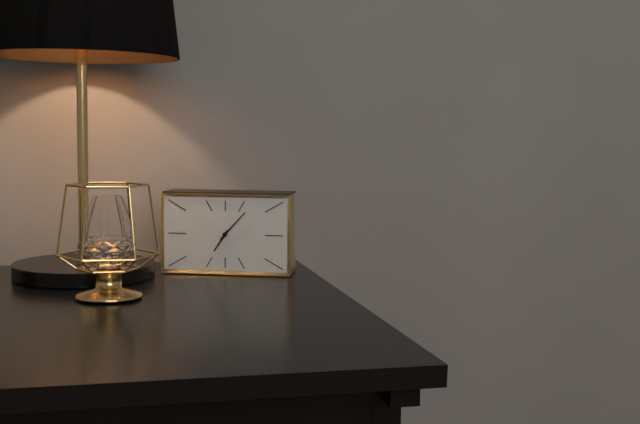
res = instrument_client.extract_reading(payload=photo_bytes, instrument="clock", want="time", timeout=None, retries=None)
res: 7:07
